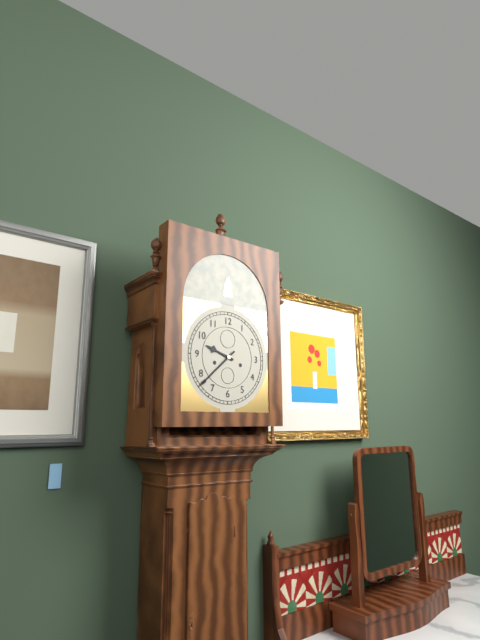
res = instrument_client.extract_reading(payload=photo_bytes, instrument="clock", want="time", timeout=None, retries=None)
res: 9:38
